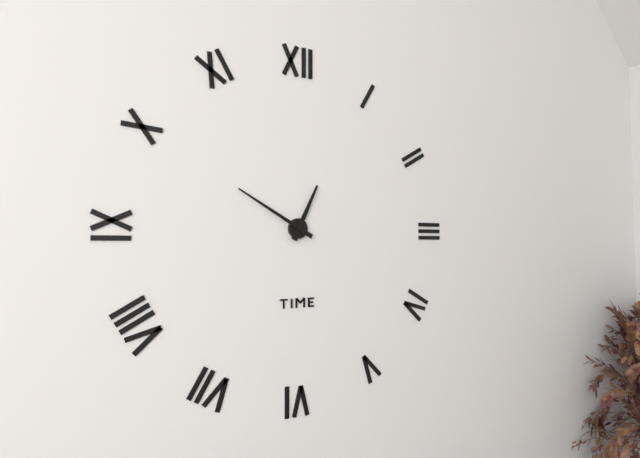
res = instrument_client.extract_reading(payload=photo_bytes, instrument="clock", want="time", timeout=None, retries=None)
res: 12:50
